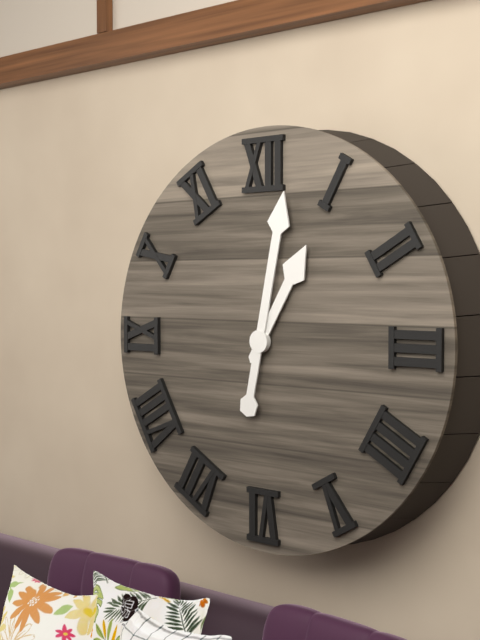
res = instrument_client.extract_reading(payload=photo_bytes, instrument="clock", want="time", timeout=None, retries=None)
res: 1:02
